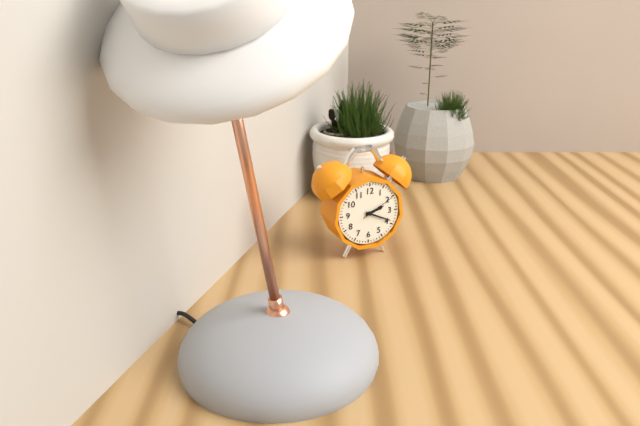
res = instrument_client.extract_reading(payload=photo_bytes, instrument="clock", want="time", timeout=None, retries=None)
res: 2:19
